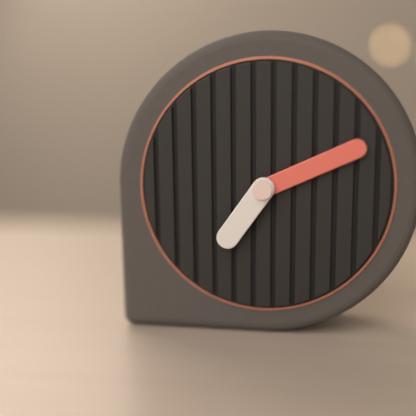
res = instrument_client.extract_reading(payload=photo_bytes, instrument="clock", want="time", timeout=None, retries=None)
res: 7:11
